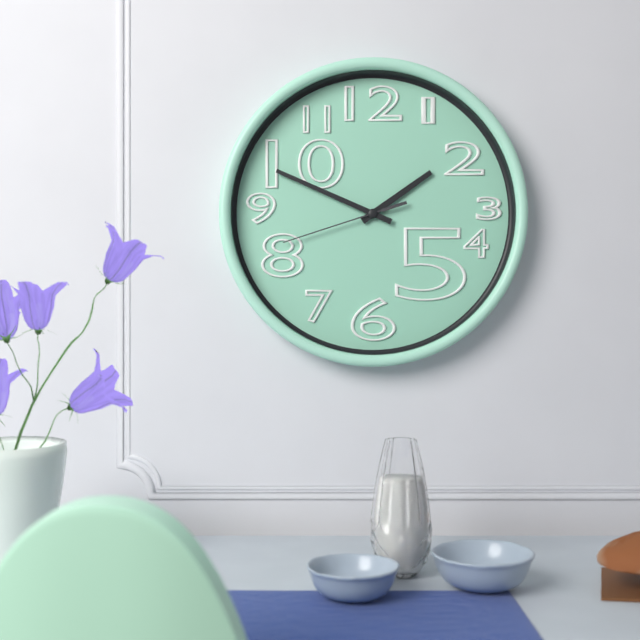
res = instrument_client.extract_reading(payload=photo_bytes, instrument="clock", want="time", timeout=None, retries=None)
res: 1:49:42
